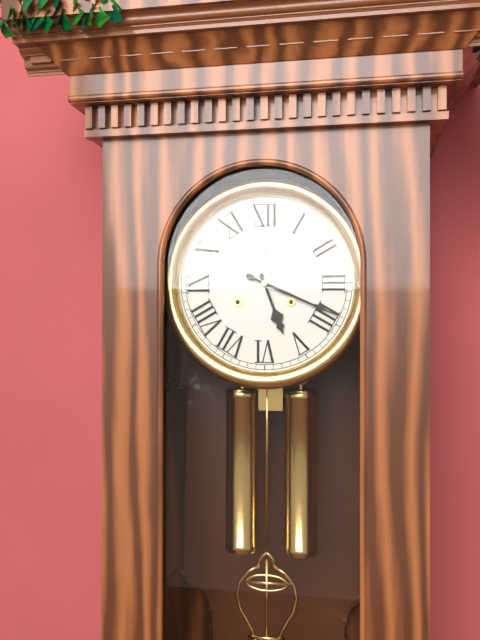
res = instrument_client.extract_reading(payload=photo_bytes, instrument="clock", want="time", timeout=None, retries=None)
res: 5:19
